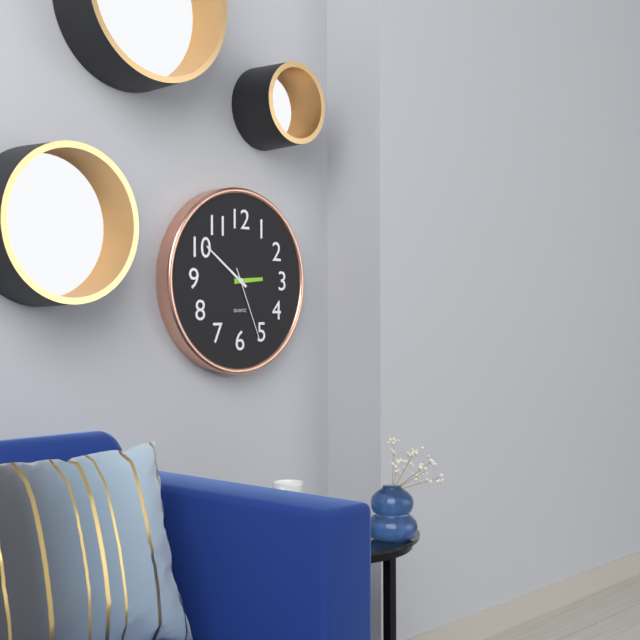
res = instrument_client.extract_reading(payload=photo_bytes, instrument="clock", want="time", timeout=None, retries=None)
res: 2:51:26
